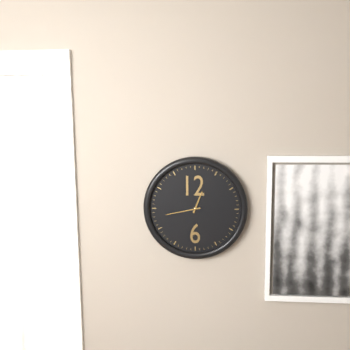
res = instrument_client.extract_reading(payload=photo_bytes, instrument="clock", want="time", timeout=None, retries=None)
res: 12:43
